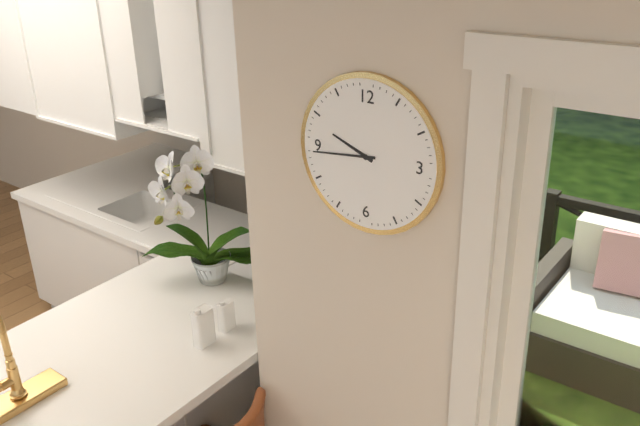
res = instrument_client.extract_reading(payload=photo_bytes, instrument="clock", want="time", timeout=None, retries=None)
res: 9:44
